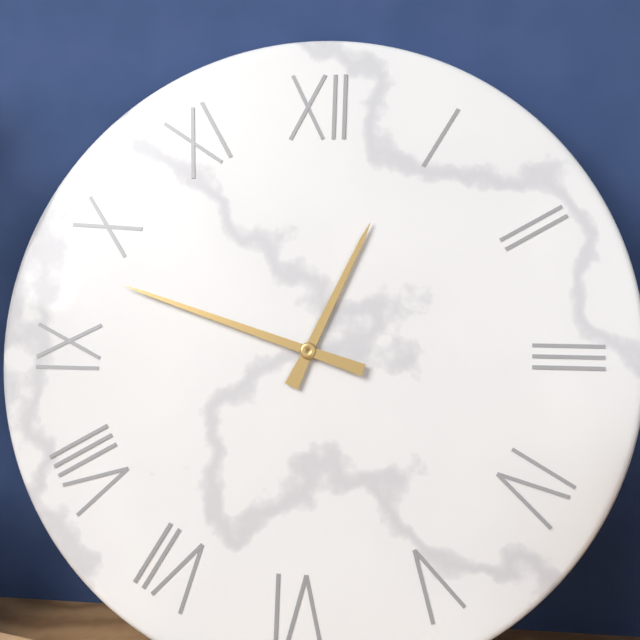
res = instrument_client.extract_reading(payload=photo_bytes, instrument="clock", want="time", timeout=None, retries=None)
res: 12:48
